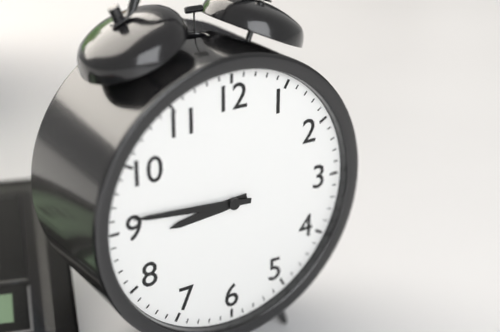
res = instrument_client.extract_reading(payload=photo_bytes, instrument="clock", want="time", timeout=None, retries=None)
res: 8:46
